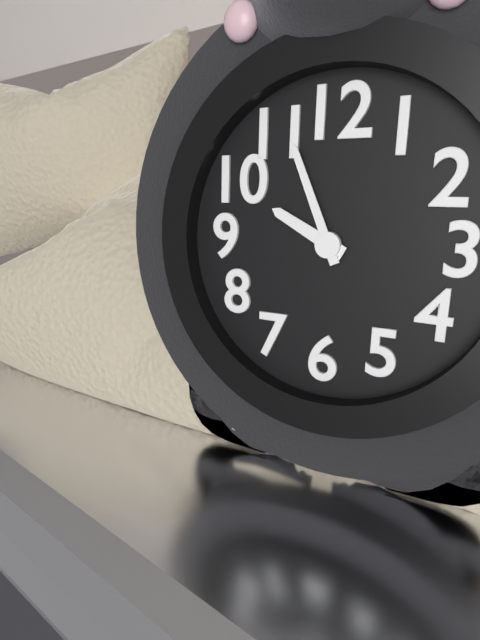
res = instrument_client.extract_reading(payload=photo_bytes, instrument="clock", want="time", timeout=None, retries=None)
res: 9:56
